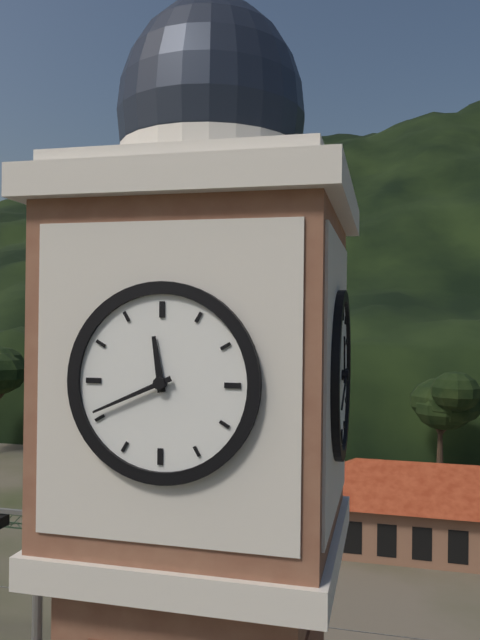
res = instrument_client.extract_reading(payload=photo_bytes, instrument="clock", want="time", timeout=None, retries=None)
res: 11:41
